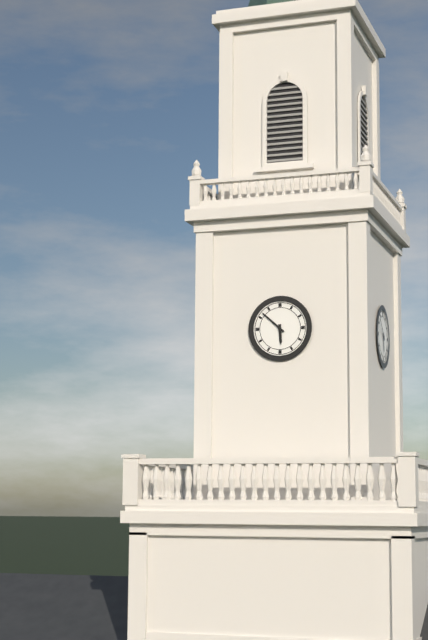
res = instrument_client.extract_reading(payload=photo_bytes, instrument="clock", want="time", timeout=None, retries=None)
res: 5:52
